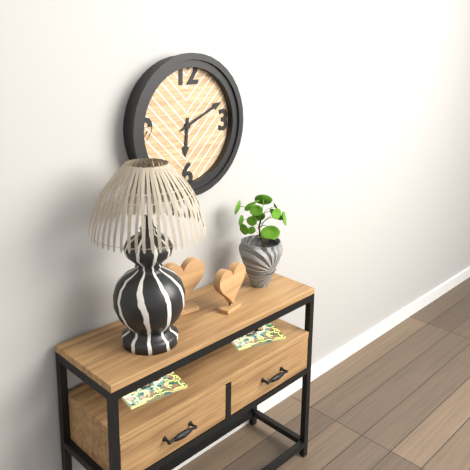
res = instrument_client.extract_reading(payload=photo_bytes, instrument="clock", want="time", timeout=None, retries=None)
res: 6:11
